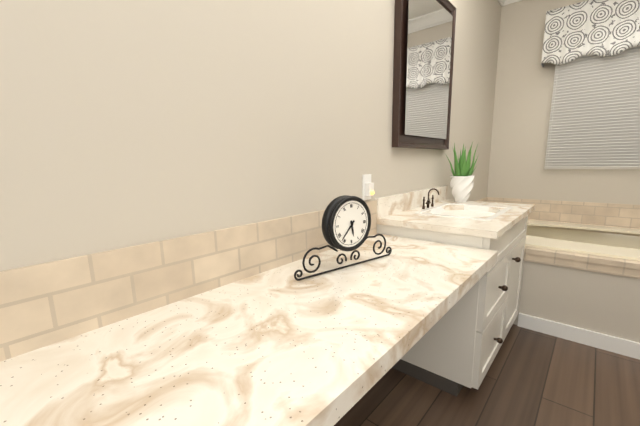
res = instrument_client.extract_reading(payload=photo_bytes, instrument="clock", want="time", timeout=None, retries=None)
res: 5:37
